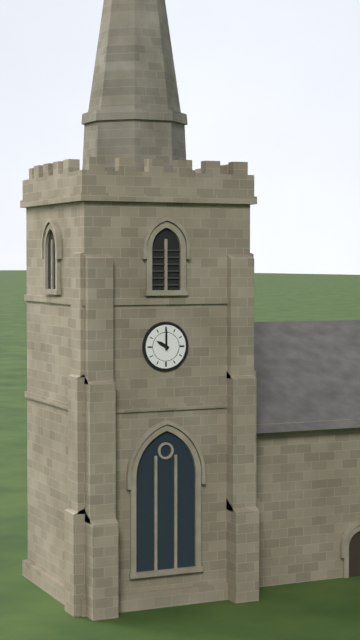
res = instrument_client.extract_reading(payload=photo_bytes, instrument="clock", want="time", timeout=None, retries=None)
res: 10:00
